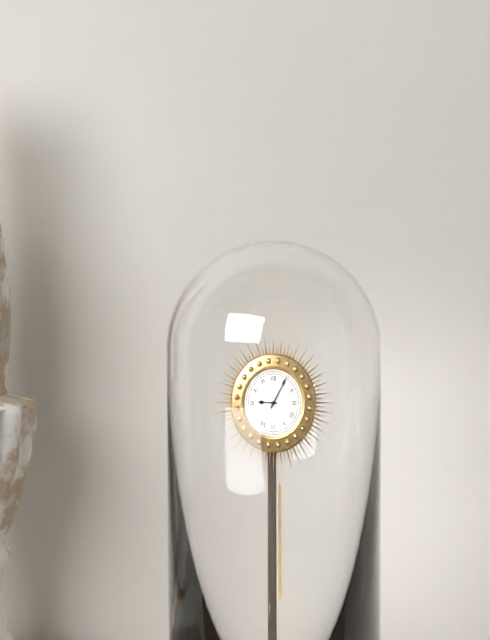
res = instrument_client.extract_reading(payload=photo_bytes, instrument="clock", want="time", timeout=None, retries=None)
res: 9:05
